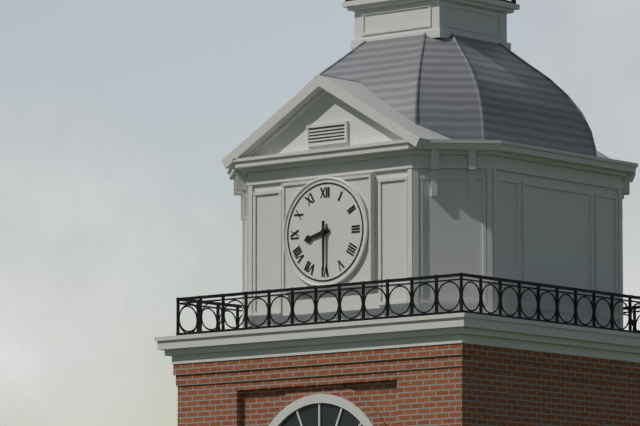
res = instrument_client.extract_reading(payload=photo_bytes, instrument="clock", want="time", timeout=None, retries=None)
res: 8:30
